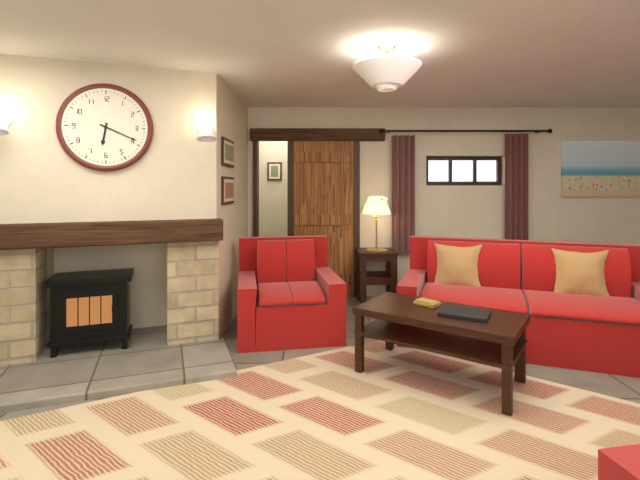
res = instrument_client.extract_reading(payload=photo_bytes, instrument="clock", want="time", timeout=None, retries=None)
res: 6:19
